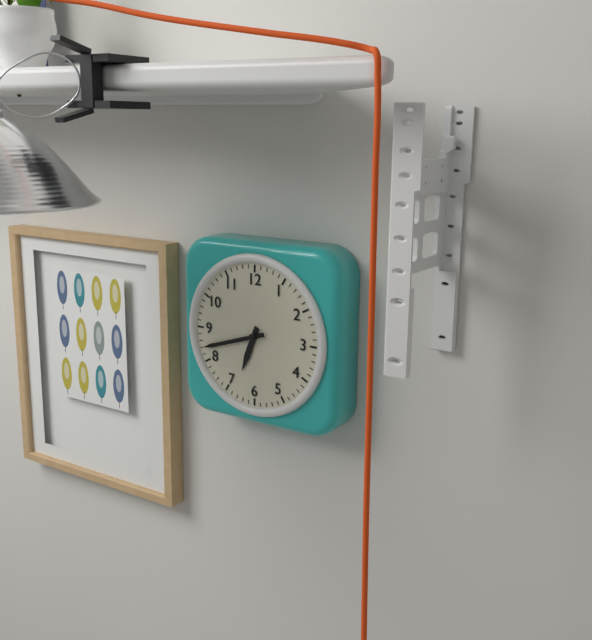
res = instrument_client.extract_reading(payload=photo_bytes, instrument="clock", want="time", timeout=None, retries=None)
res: 6:42
